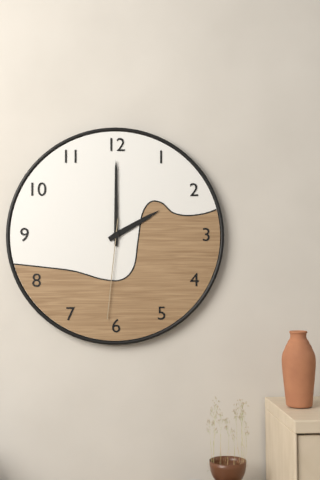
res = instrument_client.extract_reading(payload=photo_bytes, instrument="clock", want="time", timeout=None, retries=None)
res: 2:00:31
